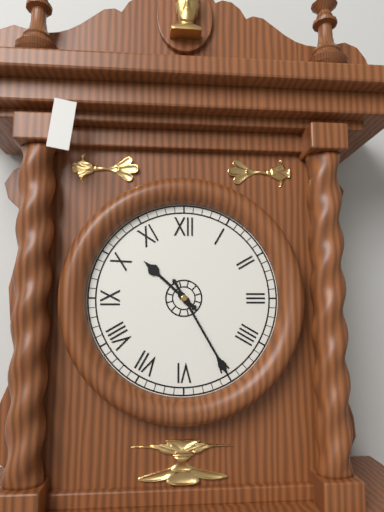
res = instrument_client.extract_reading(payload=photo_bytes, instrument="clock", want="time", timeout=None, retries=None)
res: 10:25
